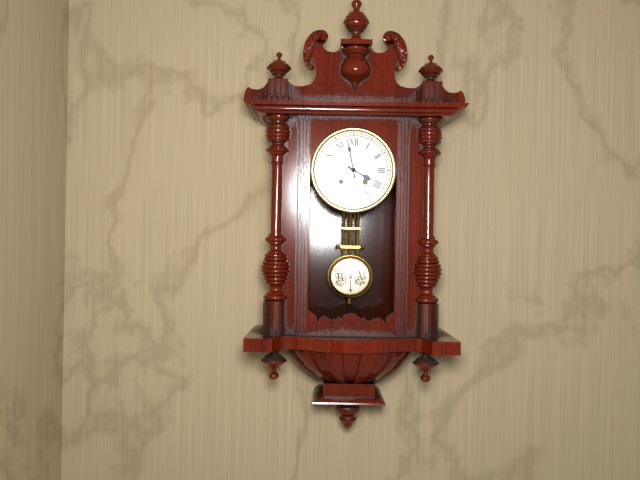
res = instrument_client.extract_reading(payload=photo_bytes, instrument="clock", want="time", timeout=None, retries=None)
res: 3:58
